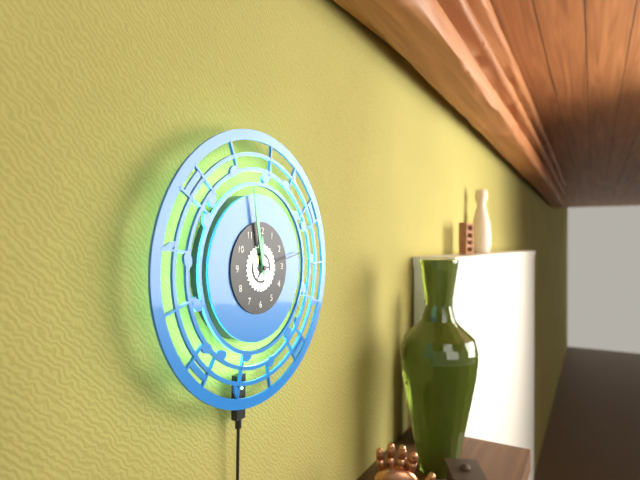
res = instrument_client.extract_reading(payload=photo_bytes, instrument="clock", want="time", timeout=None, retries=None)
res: 11:58:13
